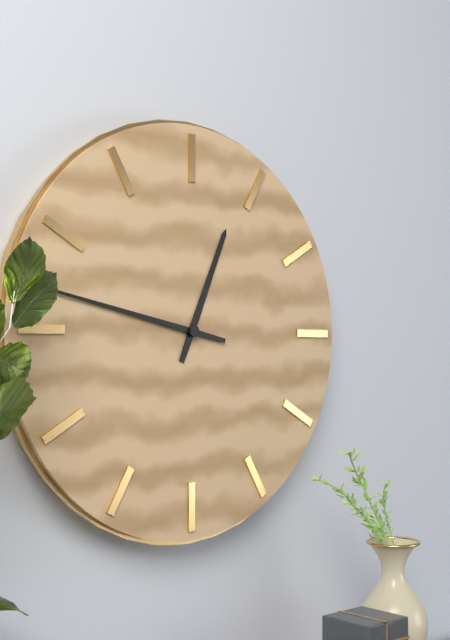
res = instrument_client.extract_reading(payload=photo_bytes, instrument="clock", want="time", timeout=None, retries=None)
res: 12:47
